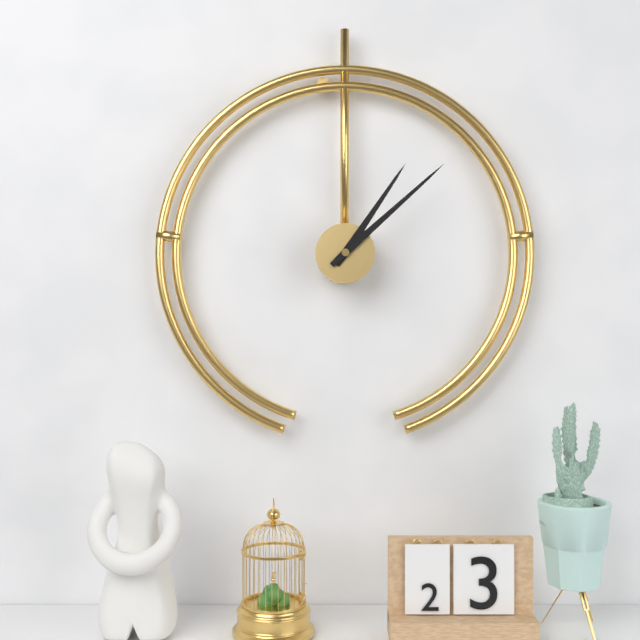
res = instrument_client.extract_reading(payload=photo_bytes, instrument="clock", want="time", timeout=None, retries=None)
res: 1:08
